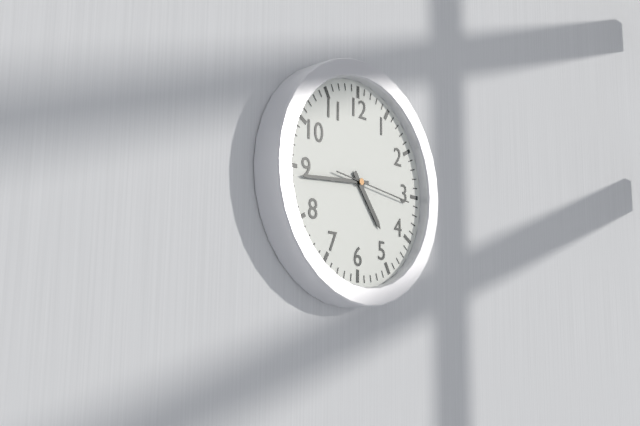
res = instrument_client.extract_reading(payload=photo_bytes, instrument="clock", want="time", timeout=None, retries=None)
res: 4:44:16
